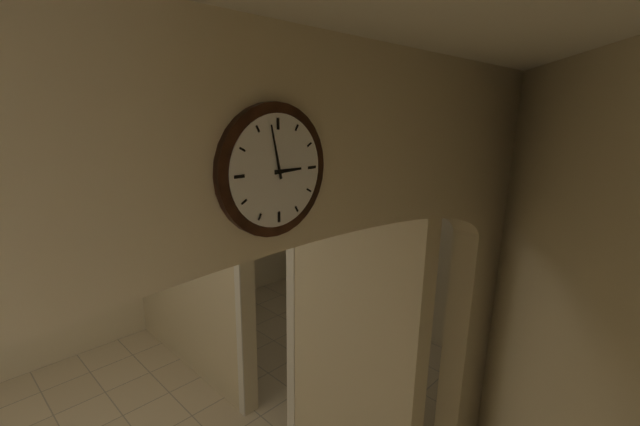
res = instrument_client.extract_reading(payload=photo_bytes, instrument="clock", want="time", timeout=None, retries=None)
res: 2:58
